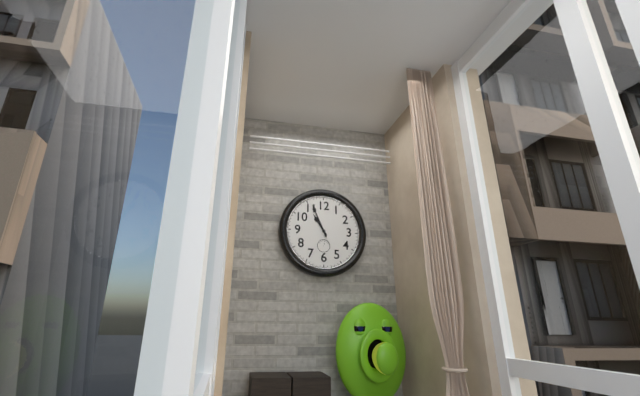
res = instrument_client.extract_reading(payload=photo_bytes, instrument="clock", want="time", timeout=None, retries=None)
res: 10:56
